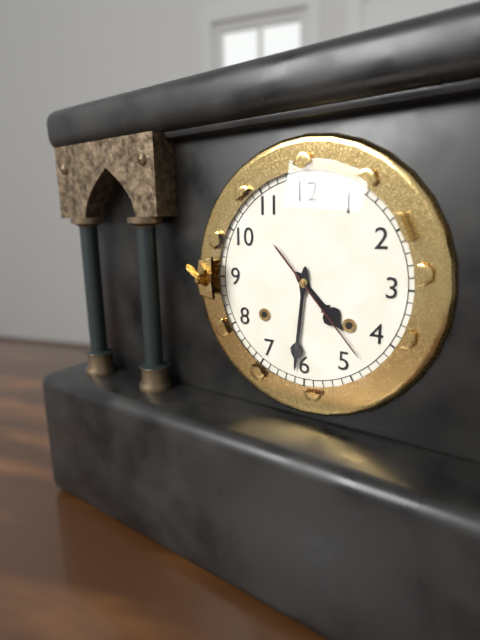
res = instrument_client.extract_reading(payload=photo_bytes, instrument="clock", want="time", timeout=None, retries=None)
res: 4:31:23
